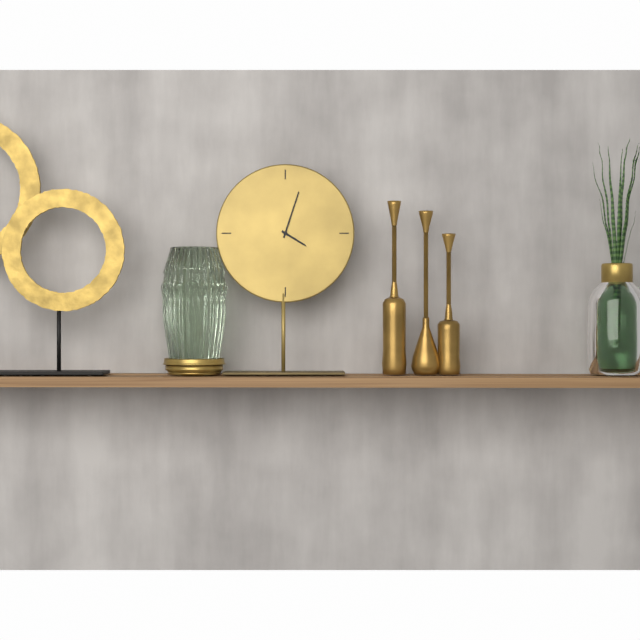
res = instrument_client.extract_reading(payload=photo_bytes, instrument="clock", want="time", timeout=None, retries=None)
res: 4:03
